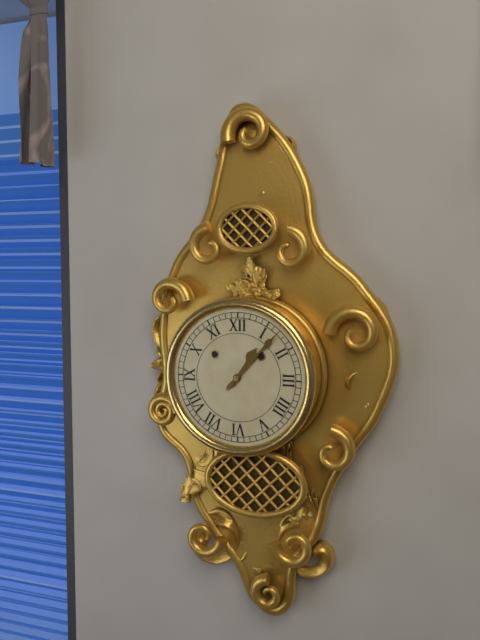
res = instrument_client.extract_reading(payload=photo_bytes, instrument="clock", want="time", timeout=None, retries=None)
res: 1:07
